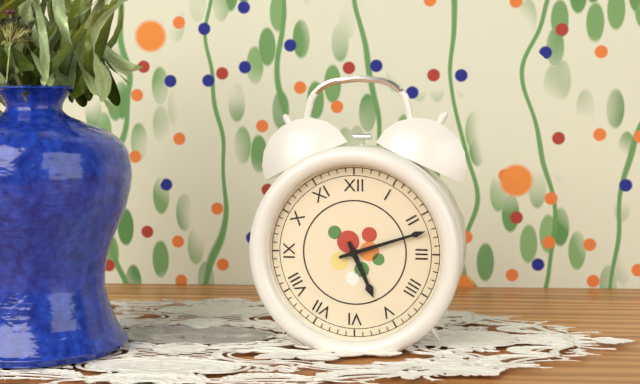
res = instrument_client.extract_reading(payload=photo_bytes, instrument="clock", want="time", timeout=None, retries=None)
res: 5:12
